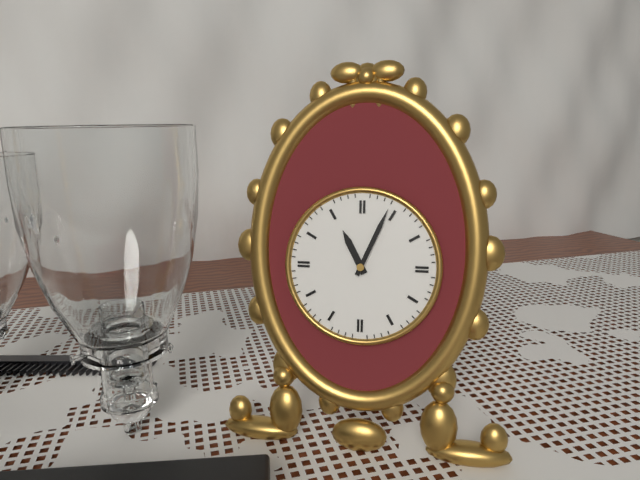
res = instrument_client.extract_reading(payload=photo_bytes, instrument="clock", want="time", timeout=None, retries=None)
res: 11:04
